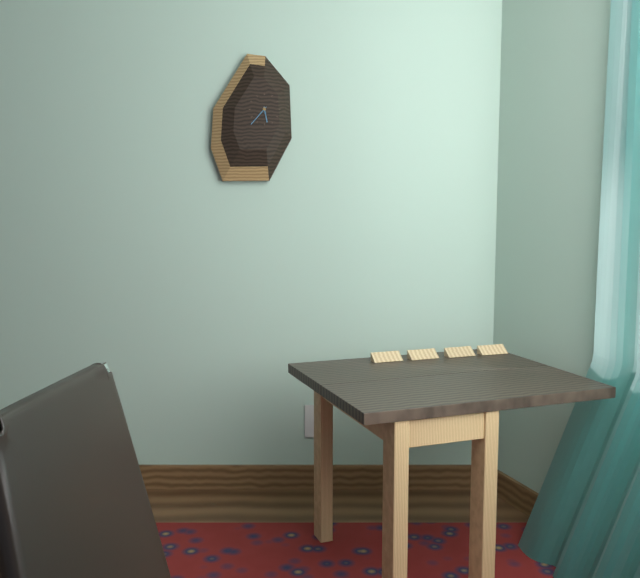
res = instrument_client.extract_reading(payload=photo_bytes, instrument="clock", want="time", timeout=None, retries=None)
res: 5:37
